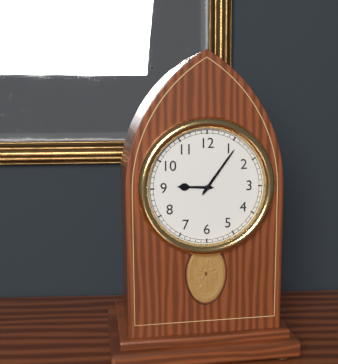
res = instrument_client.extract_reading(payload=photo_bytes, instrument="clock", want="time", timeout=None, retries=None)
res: 9:06
